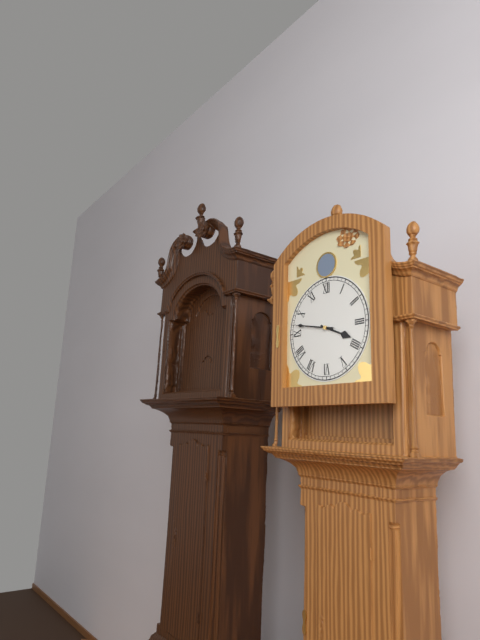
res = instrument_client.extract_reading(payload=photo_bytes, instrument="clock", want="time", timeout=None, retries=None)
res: 3:47
